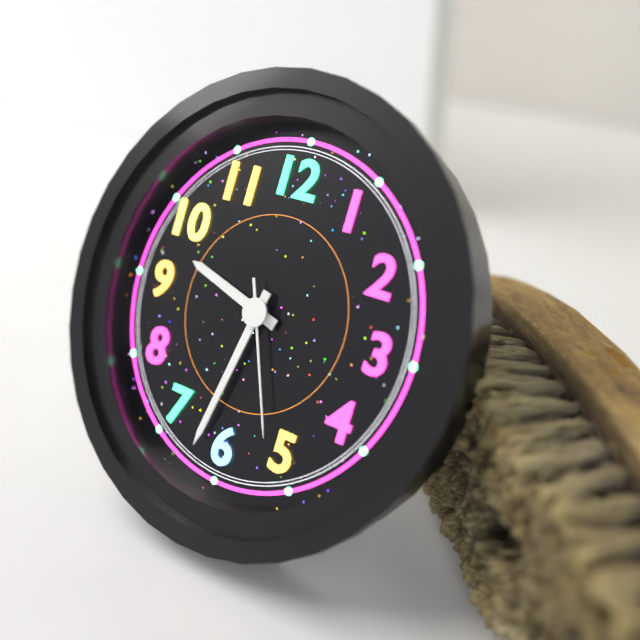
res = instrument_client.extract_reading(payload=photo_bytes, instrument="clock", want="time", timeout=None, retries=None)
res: 9:32:26
